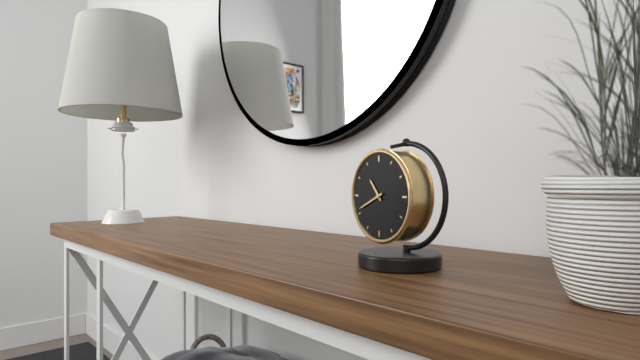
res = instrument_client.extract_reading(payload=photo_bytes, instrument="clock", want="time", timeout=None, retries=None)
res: 10:41
